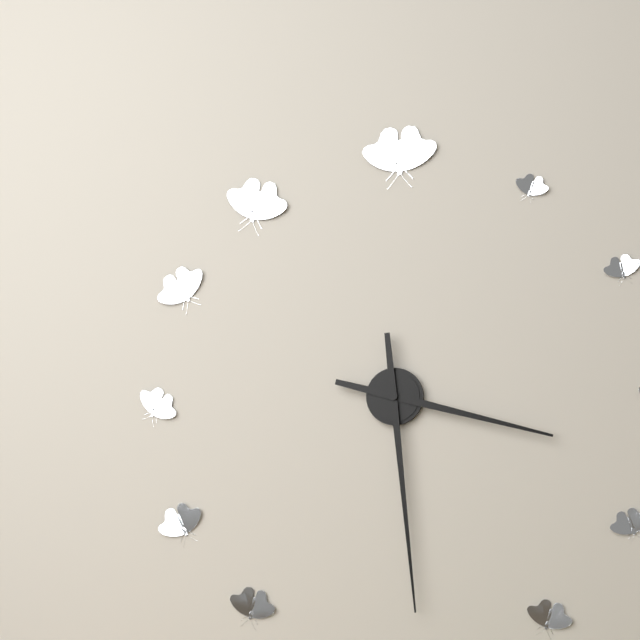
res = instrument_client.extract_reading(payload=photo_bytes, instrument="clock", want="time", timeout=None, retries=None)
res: 3:29
